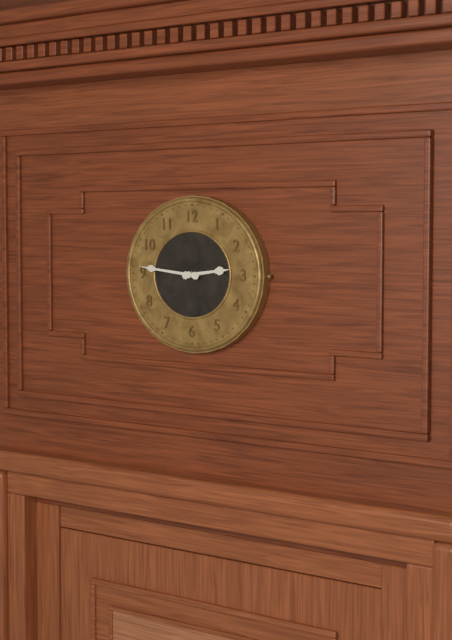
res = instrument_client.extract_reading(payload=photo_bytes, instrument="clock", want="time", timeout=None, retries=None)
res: 2:46
